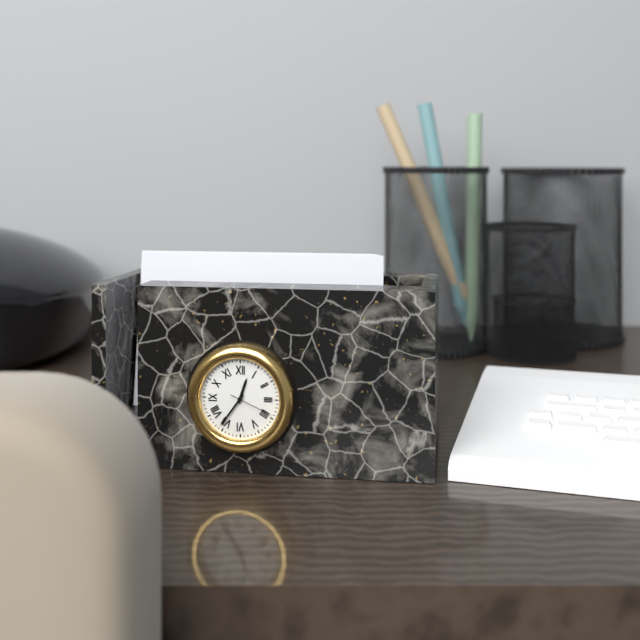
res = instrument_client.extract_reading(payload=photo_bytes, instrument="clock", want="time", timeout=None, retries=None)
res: 12:36
